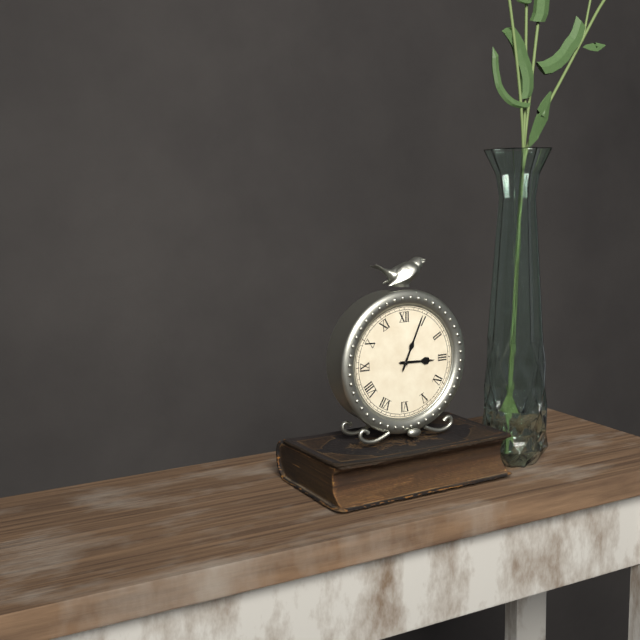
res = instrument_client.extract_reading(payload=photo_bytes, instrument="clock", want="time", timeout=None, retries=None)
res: 3:04
